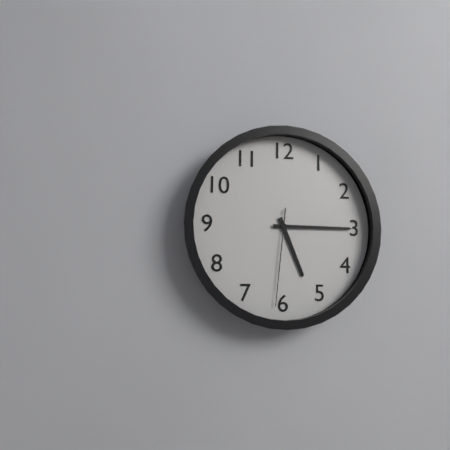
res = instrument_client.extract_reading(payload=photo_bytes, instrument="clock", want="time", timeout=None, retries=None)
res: 5:15:31
